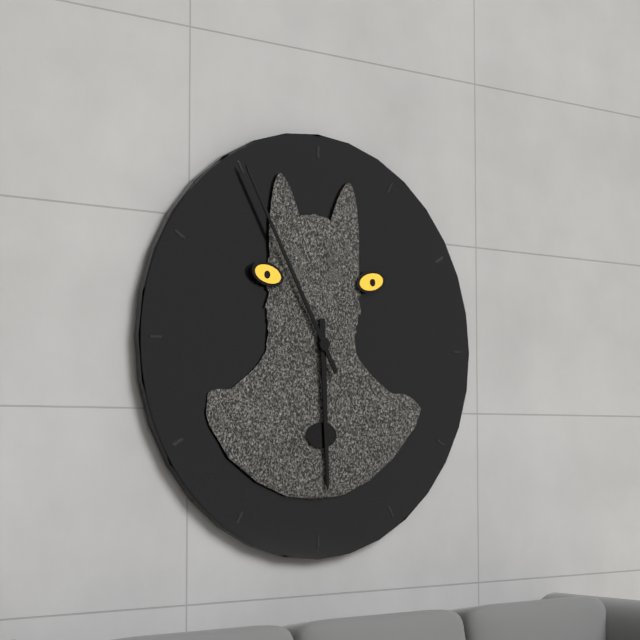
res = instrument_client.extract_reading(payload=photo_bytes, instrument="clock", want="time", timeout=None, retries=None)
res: 5:55
